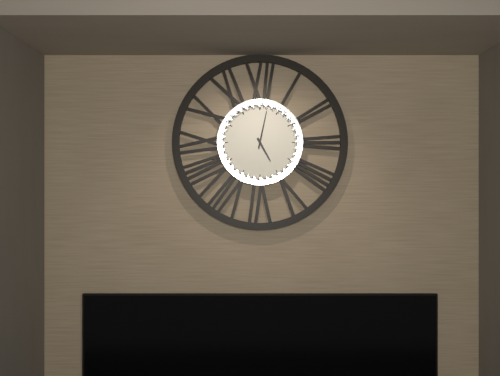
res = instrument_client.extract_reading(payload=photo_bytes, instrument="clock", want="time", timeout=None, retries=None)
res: 5:02
